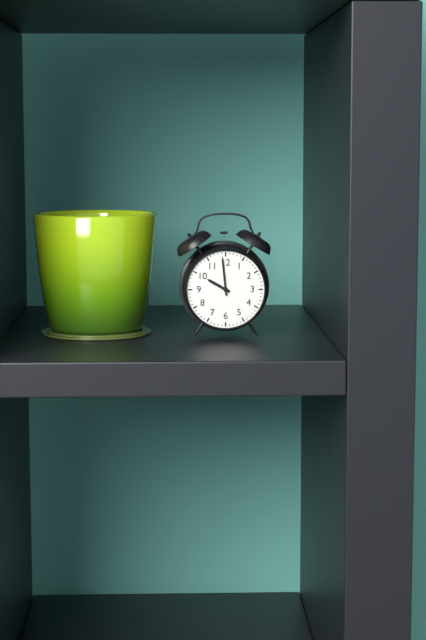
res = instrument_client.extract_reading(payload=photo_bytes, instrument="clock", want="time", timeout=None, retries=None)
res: 9:59
